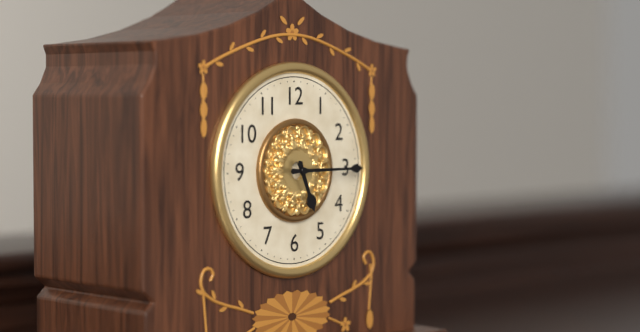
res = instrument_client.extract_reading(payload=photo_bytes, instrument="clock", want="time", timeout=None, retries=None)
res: 5:15
